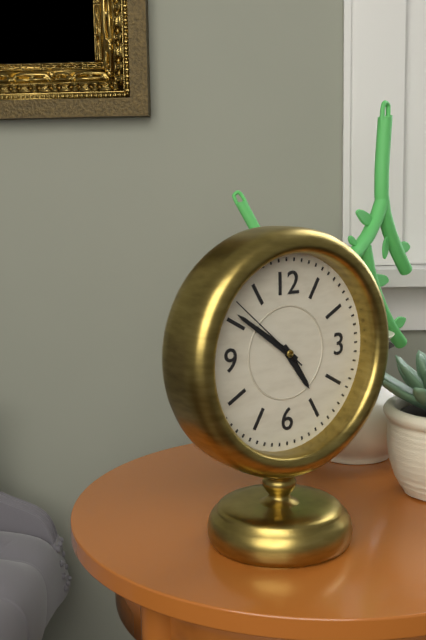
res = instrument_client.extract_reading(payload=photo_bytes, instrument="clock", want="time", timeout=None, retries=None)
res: 4:51:52
